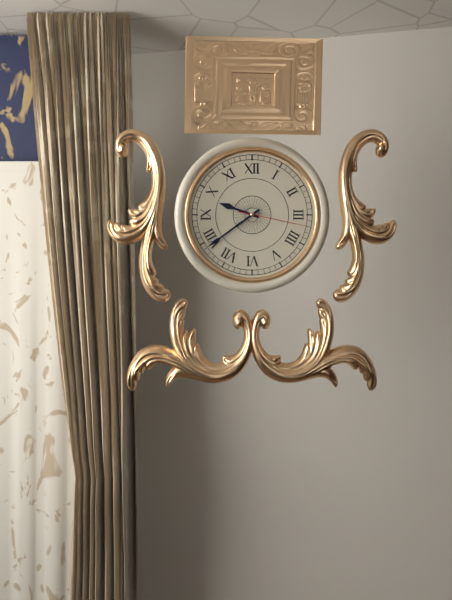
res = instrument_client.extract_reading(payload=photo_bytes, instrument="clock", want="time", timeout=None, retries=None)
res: 9:39:17
